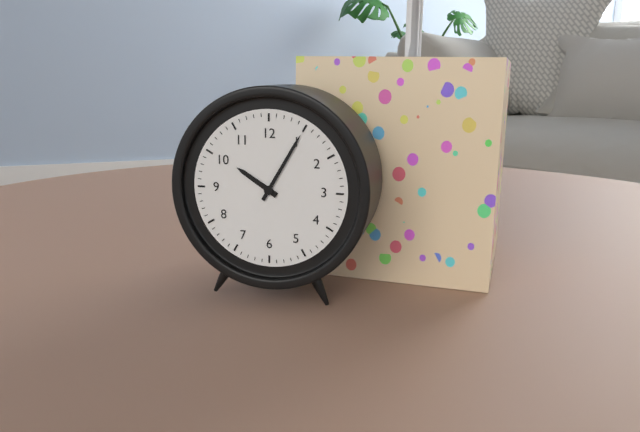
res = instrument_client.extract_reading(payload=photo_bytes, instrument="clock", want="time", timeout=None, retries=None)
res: 10:05
